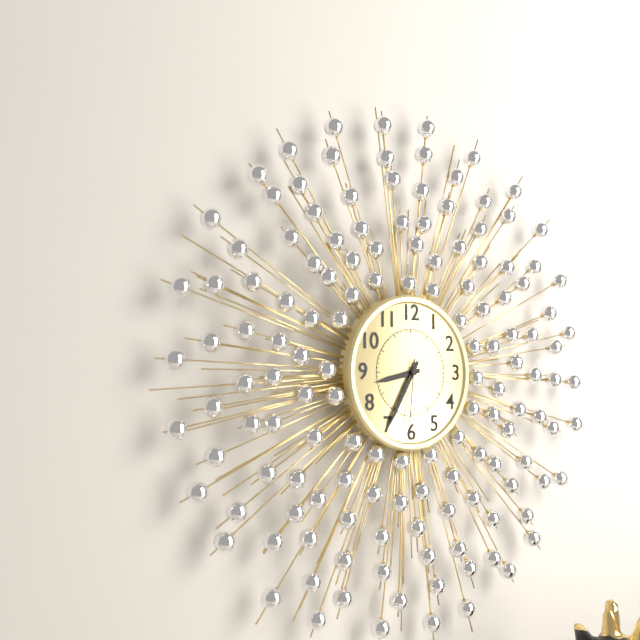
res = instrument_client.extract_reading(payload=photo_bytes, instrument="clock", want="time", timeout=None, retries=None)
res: 8:35:31
